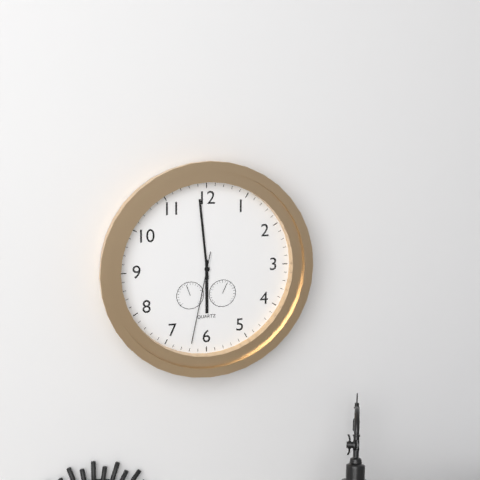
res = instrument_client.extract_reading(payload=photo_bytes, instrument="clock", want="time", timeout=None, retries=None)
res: 5:59:32
